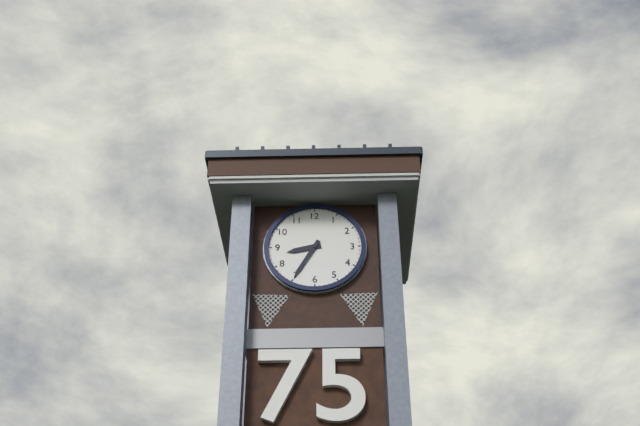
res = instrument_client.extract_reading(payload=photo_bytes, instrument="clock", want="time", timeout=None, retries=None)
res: 8:35
